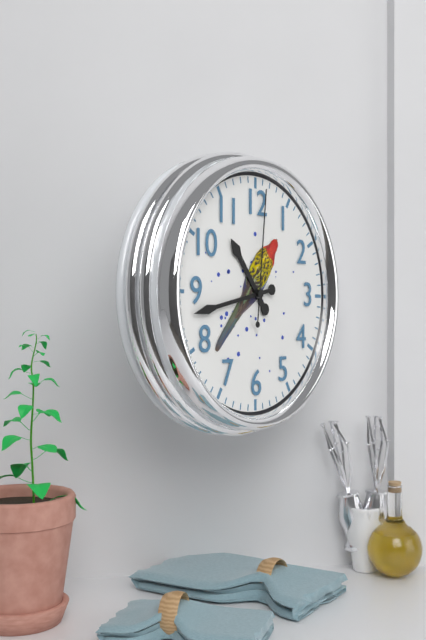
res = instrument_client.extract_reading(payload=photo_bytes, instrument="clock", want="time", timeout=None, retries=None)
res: 10:43:01
